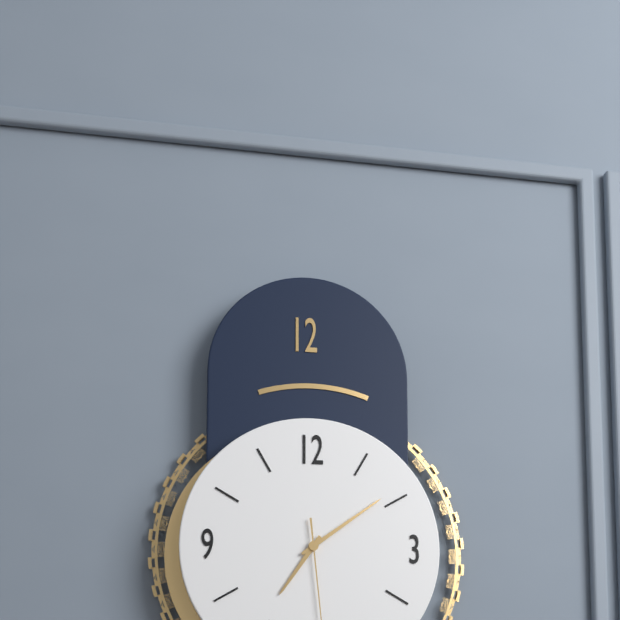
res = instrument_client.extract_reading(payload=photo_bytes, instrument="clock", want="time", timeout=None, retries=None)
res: 7:09
